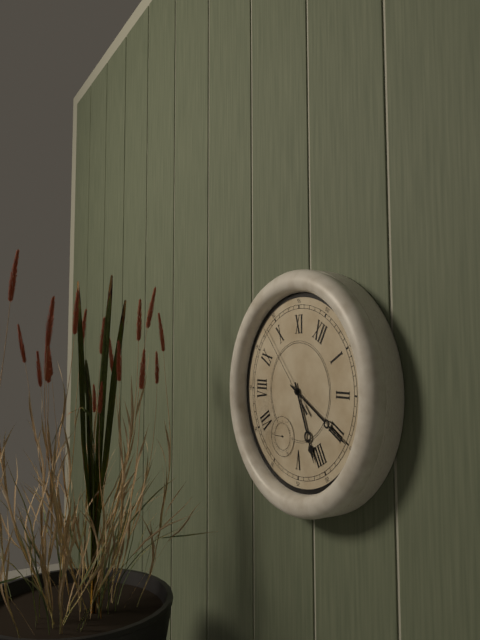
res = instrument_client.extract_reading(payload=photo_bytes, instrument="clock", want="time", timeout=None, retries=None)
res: 4:15:48
